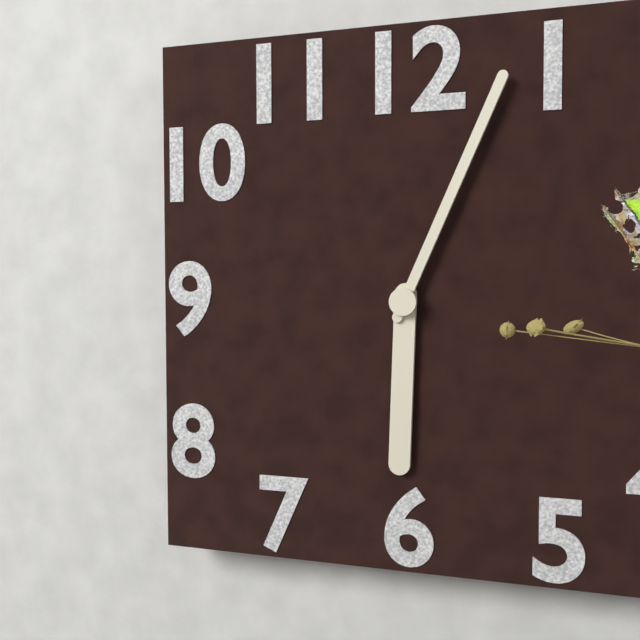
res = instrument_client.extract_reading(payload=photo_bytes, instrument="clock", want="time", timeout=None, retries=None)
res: 6:04
